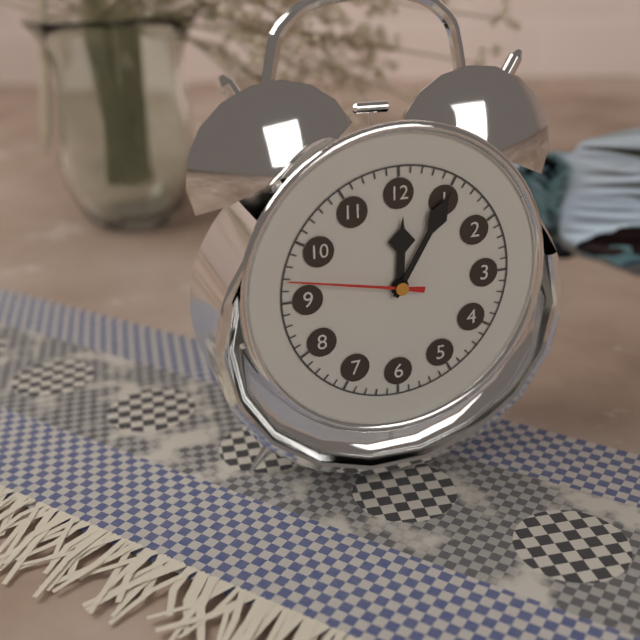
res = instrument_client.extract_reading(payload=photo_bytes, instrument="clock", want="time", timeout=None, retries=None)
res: 12:05:47
